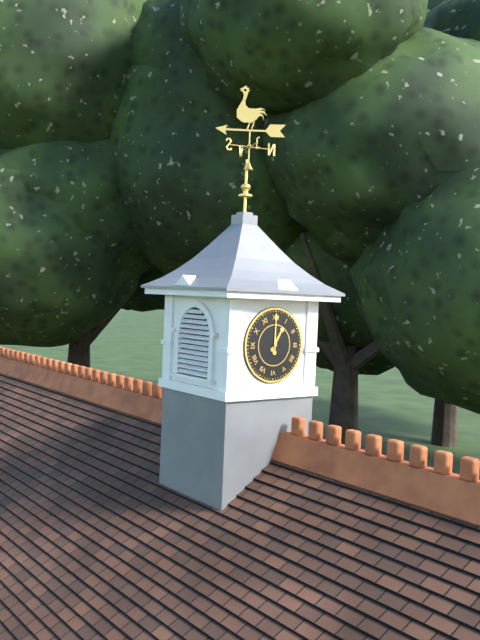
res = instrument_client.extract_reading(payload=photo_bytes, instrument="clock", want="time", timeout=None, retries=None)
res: 1:00
